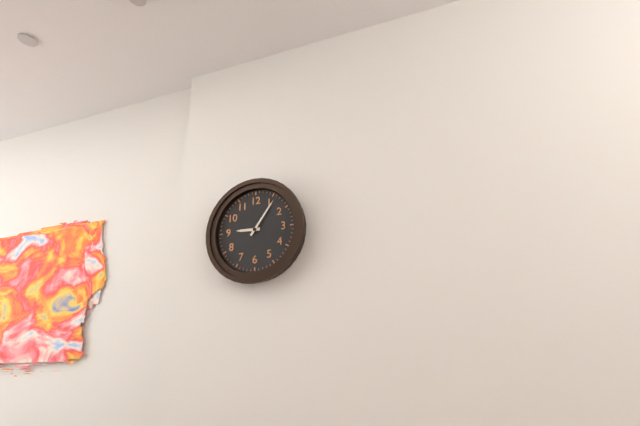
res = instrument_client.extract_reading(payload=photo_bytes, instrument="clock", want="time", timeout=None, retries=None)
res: 9:06
